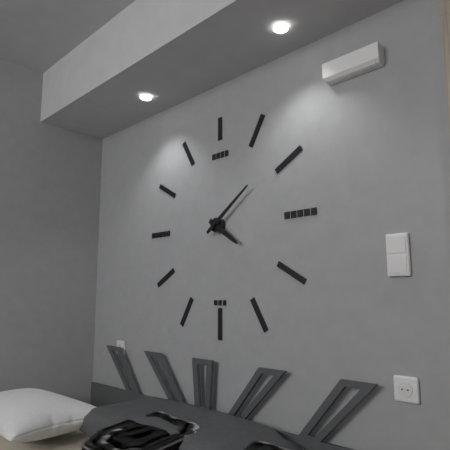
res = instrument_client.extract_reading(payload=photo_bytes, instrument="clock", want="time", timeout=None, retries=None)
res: 4:09
